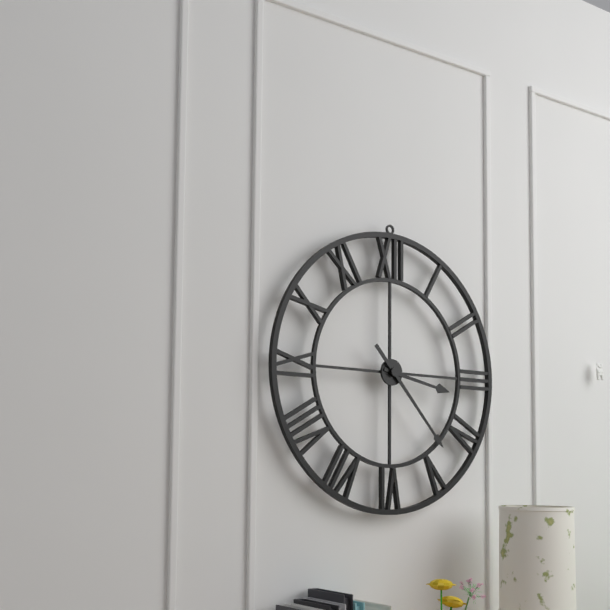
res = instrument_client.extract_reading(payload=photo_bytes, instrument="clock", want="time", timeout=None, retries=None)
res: 3:23
